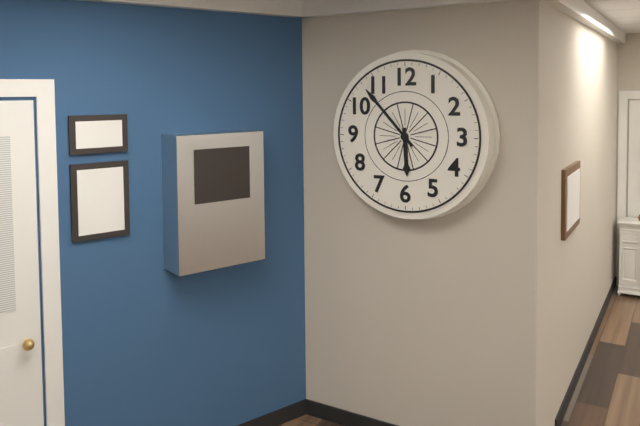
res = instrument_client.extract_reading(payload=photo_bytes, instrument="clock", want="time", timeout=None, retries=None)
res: 5:53
